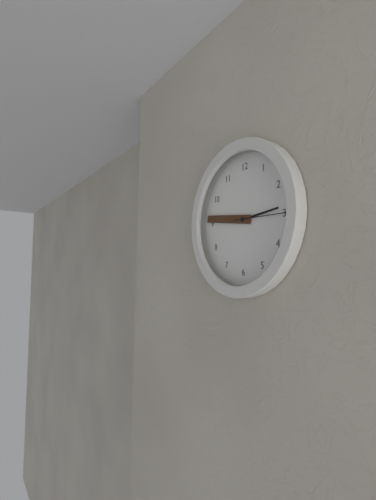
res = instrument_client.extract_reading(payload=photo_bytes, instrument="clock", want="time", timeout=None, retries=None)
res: 2:46:15
